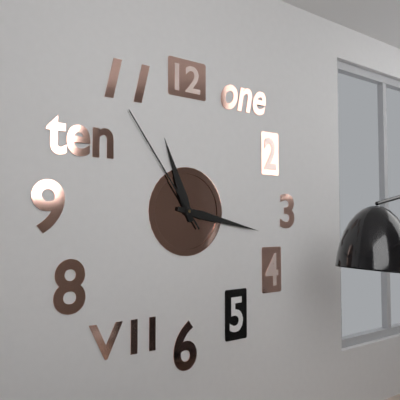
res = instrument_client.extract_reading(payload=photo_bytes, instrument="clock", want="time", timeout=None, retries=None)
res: 11:17:54
